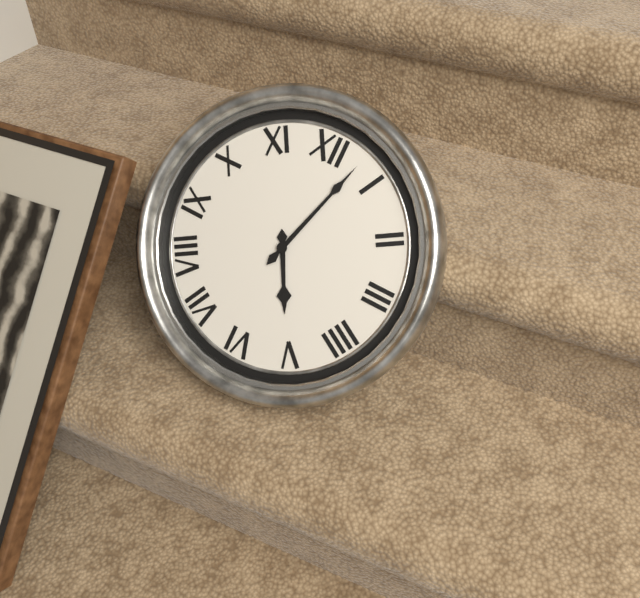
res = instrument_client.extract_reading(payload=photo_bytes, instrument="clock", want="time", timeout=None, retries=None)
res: 5:03
